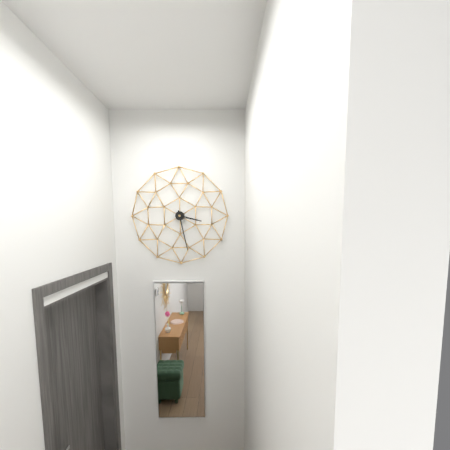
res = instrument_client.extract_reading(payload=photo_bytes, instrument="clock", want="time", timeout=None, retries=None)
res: 3:28
